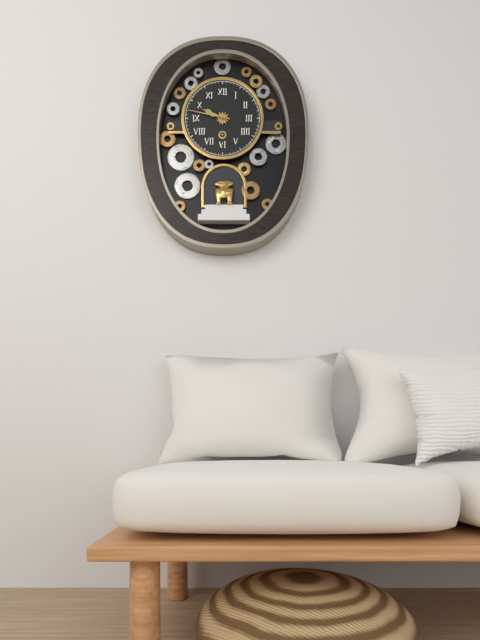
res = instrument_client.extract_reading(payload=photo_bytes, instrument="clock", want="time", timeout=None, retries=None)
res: 9:47
